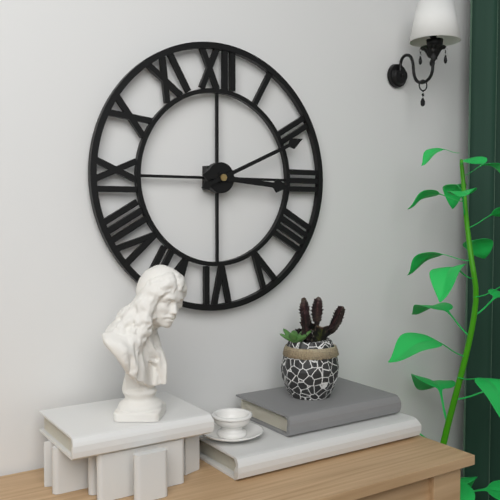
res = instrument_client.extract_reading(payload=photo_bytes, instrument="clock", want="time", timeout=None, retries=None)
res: 3:11
